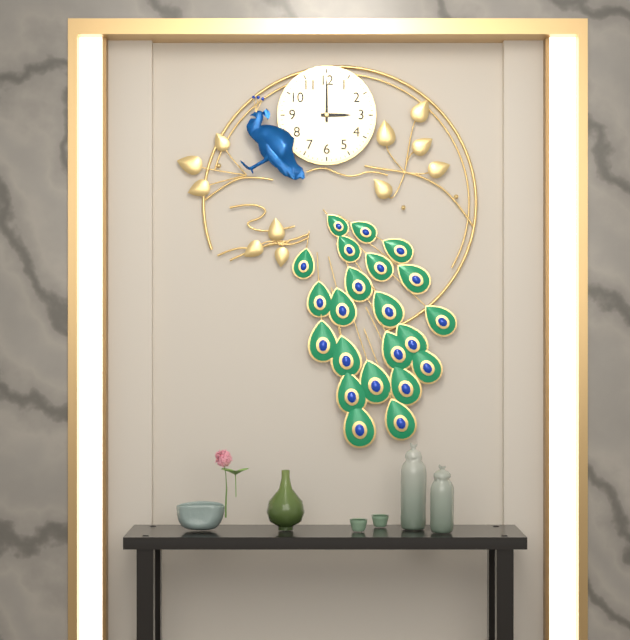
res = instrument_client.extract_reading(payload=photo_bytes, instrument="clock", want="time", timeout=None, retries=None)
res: 3:00
